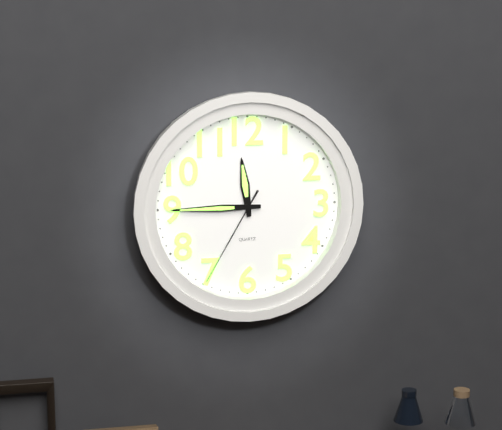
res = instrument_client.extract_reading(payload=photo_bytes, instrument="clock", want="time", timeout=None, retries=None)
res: 11:45:35
